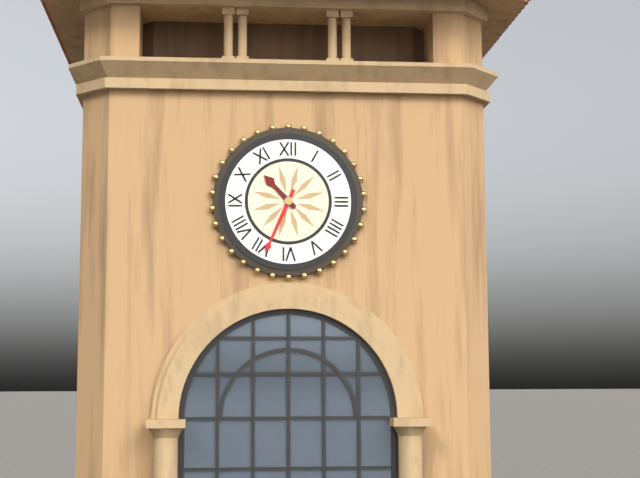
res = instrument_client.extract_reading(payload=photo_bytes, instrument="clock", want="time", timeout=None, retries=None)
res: 10:34
